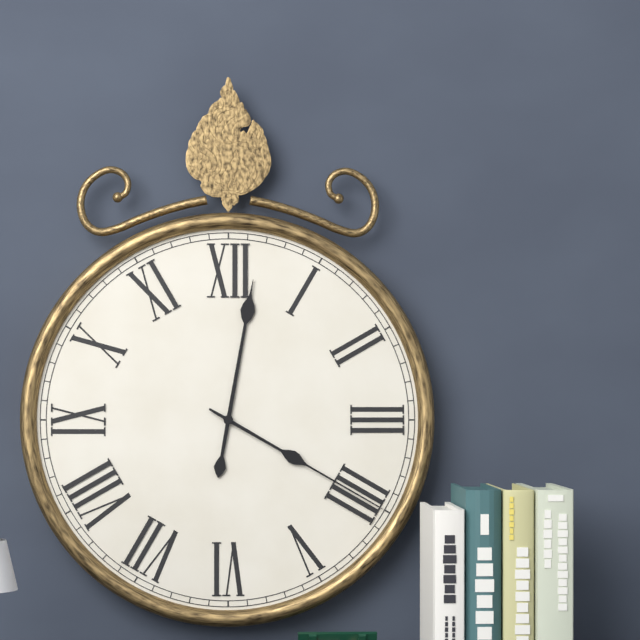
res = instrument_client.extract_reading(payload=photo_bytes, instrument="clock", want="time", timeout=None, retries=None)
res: 12:20
